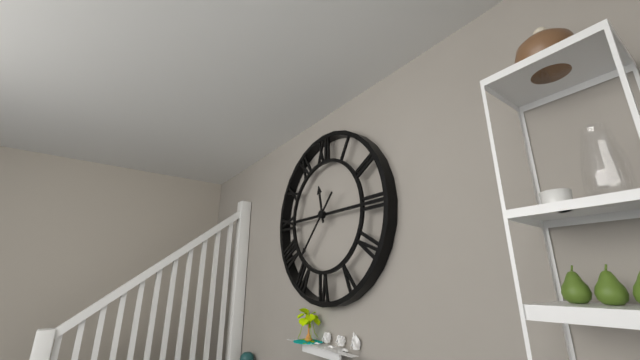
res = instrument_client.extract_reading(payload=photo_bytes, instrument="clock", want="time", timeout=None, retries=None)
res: 11:37
